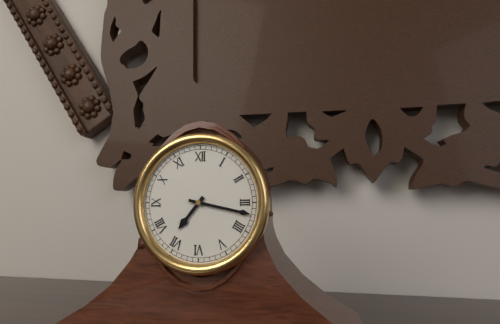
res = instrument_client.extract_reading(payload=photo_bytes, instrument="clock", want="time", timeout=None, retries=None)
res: 7:17
